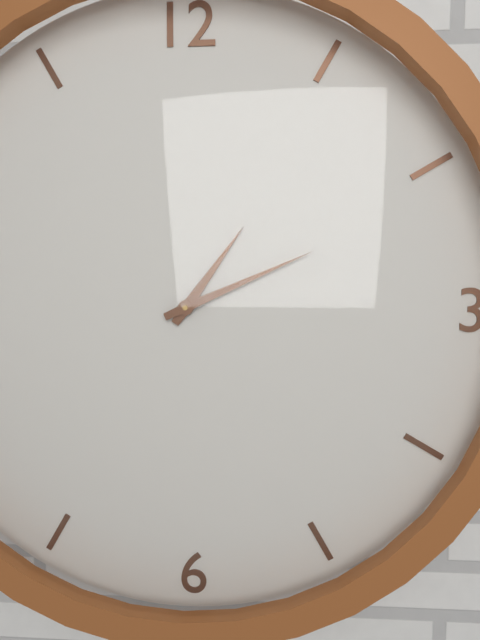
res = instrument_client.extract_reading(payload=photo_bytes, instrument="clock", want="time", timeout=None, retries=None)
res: 1:11
